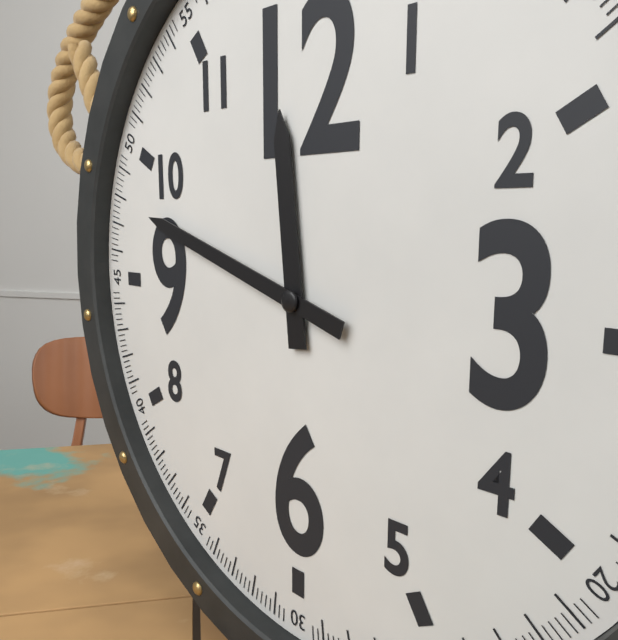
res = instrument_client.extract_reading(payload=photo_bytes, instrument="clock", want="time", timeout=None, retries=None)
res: 11:48
